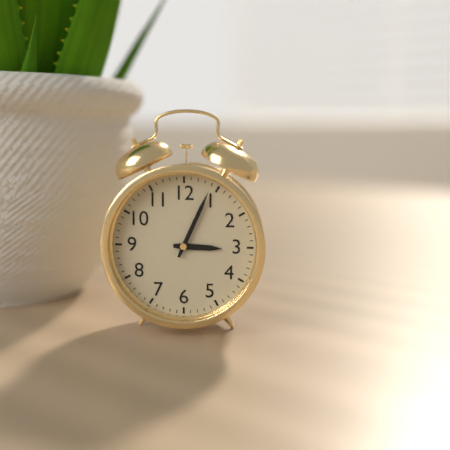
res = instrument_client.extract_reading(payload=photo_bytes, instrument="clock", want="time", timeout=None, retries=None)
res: 3:04
